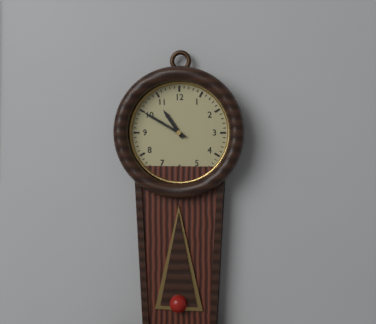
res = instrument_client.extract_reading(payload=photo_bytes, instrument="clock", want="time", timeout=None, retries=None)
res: 10:50
